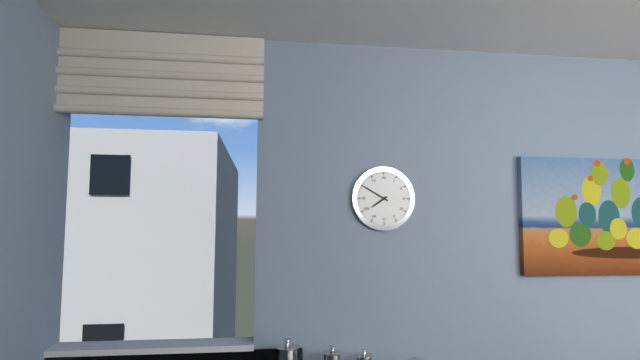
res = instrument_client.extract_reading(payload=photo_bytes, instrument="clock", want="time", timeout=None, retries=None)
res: 7:50
